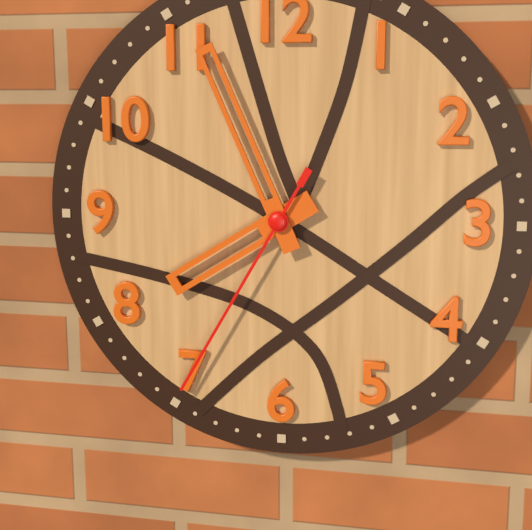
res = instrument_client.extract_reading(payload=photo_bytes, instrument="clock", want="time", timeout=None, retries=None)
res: 7:56:35
